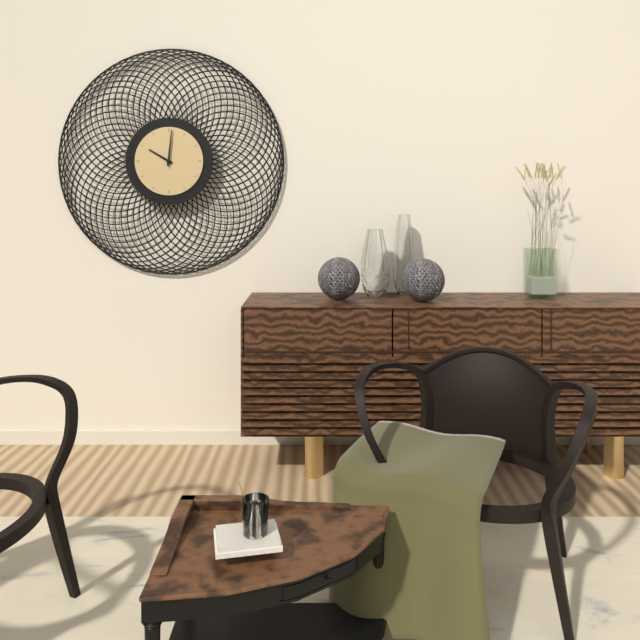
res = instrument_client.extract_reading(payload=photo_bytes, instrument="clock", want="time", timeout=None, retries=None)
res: 10:01
